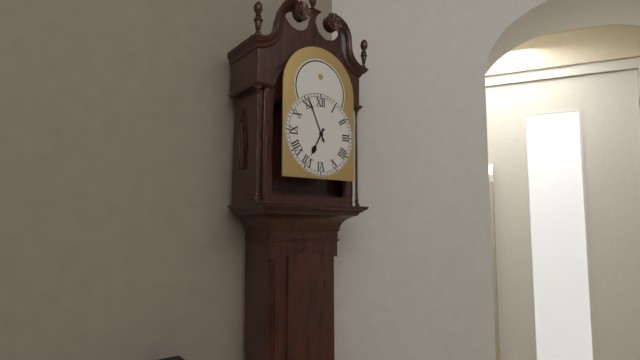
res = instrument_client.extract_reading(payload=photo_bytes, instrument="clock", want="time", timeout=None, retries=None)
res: 6:56
